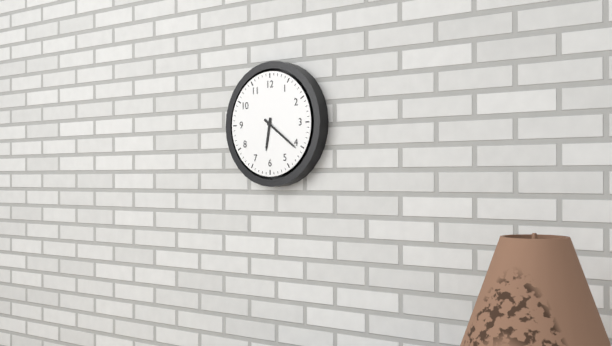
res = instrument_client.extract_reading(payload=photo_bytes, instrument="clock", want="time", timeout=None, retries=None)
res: 6:21
